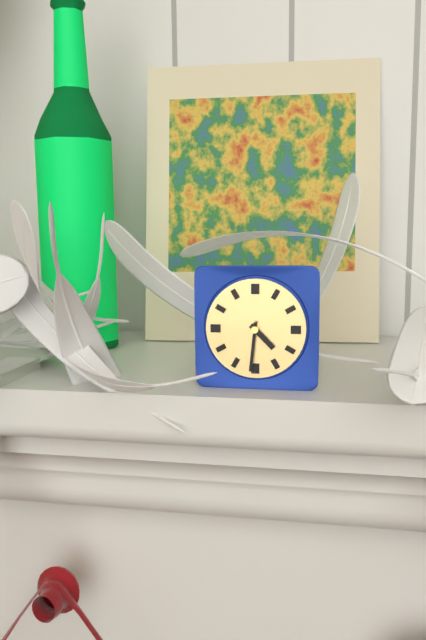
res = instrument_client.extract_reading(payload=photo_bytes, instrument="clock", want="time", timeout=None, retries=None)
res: 4:31
